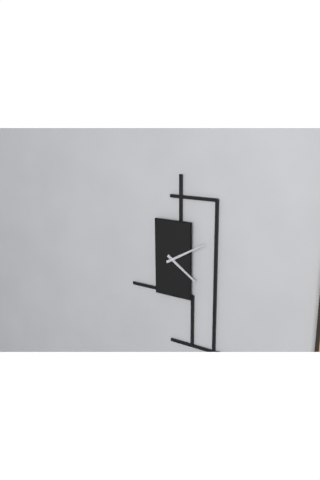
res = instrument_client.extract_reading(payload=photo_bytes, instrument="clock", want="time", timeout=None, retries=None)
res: 4:10
